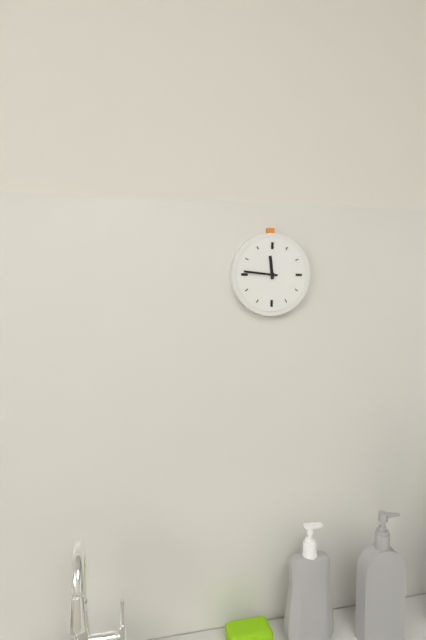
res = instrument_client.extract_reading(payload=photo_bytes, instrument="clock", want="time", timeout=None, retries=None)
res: 11:46
